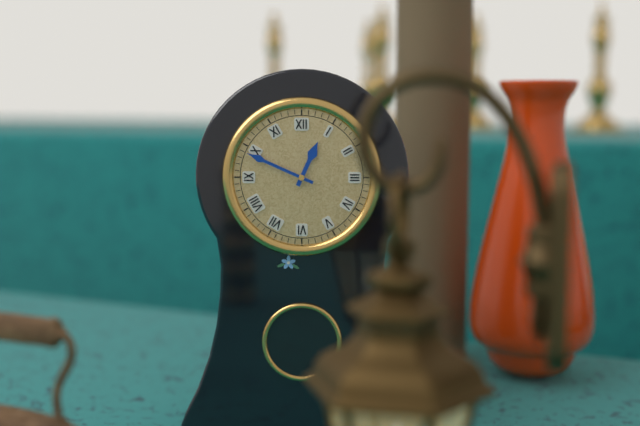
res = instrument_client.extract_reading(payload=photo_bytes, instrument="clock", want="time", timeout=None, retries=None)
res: 12:49
